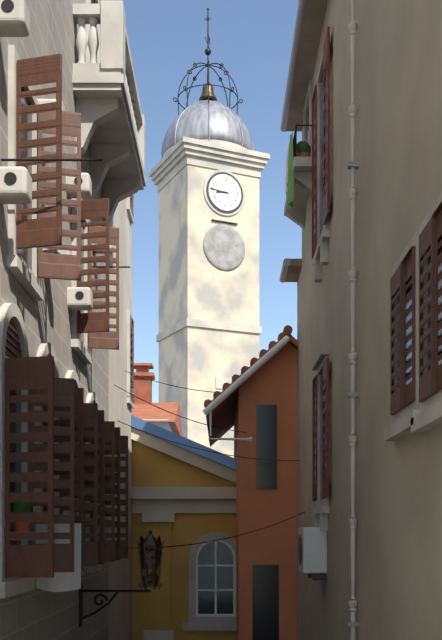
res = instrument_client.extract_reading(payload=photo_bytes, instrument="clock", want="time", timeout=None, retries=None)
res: 8:46
